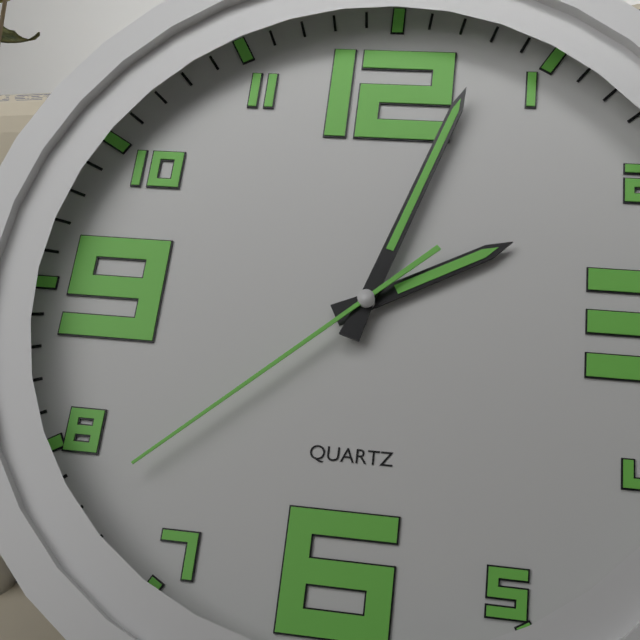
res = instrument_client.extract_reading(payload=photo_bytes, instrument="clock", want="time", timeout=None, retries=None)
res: 2:03:38
